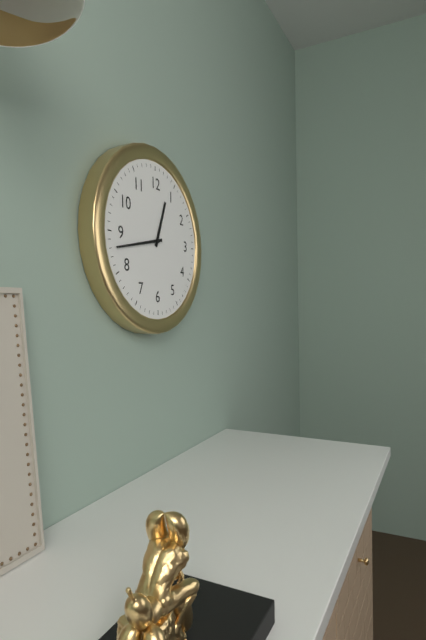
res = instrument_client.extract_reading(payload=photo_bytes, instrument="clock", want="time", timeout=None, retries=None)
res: 12:43
